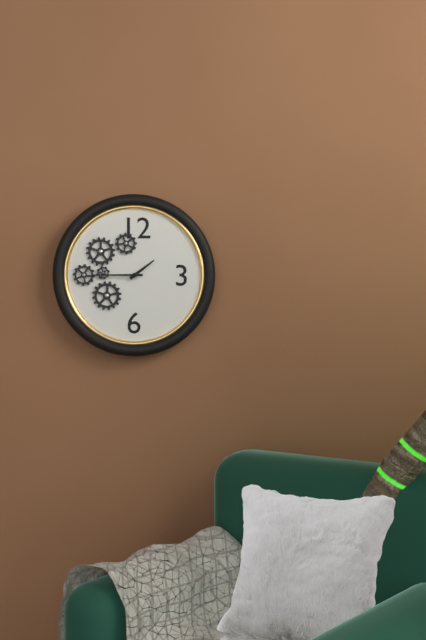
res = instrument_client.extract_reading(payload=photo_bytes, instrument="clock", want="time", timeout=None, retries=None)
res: 1:45
